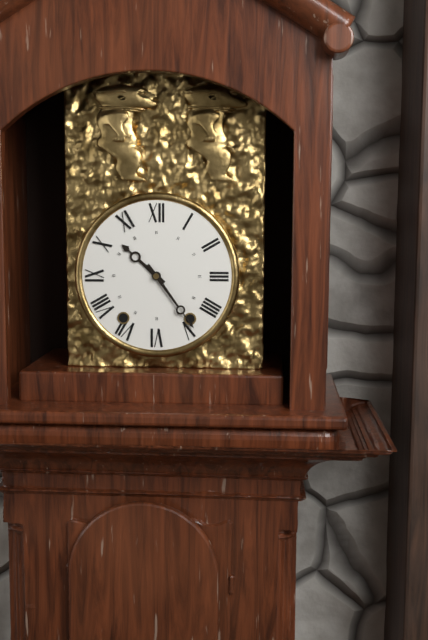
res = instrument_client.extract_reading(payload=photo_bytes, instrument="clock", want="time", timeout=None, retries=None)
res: 10:24
